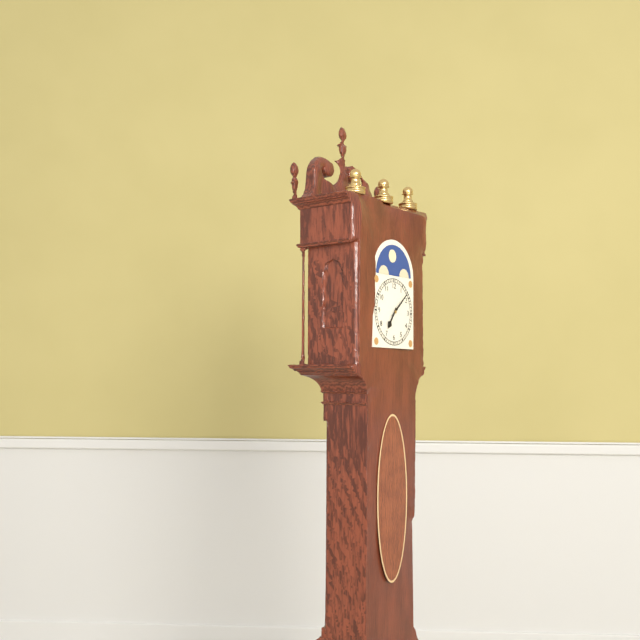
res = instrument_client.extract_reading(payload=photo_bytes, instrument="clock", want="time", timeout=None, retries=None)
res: 7:08
